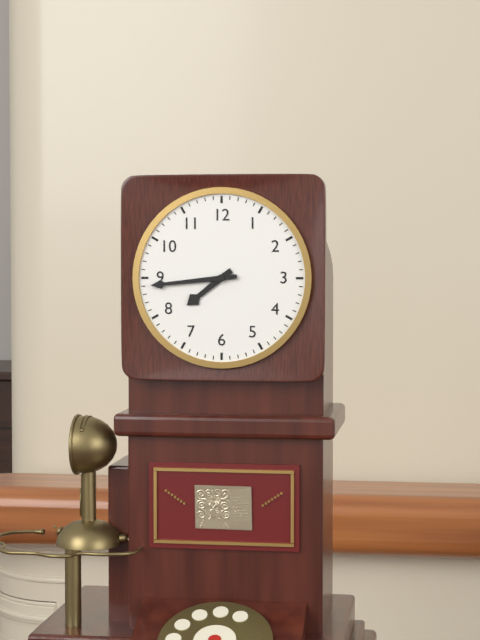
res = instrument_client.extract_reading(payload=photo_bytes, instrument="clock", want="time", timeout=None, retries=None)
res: 7:44
